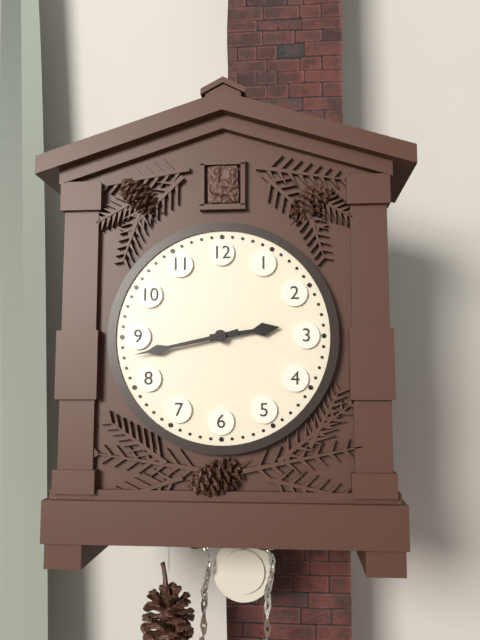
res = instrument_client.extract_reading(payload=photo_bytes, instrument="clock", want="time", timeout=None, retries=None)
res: 2:43
